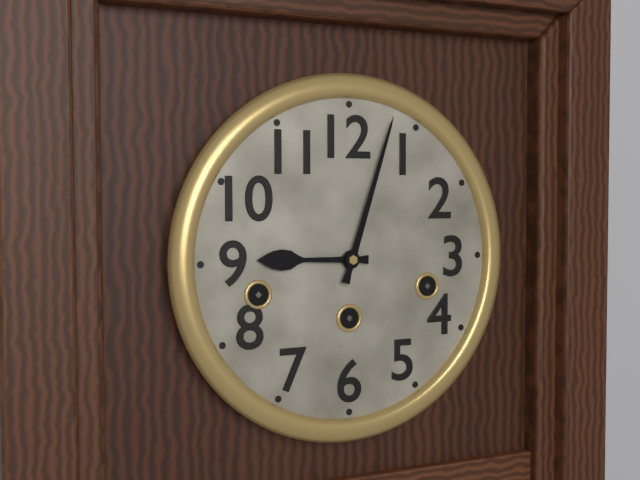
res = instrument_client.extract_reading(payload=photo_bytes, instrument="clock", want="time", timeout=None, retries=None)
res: 9:03
